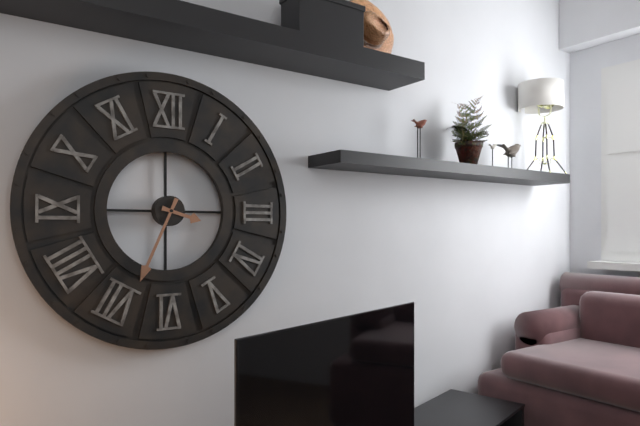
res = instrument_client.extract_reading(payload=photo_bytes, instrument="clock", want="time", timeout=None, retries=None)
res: 3:34
